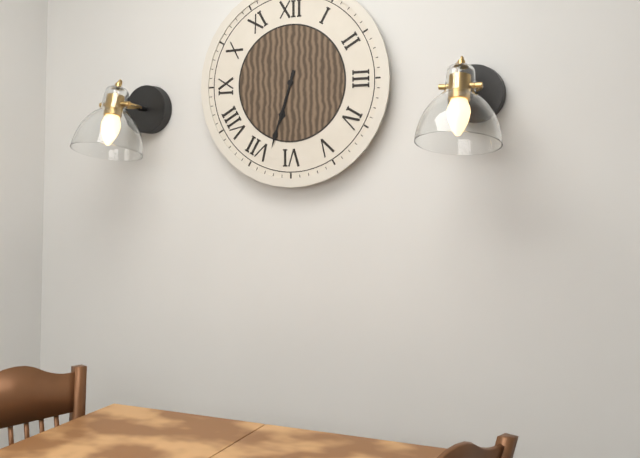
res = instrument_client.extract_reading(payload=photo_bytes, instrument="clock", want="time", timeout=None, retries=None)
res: 6:33
